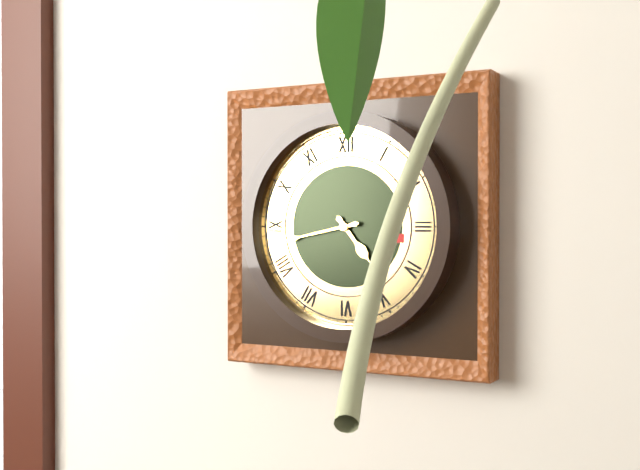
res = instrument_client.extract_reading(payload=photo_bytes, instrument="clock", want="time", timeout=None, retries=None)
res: 4:43
